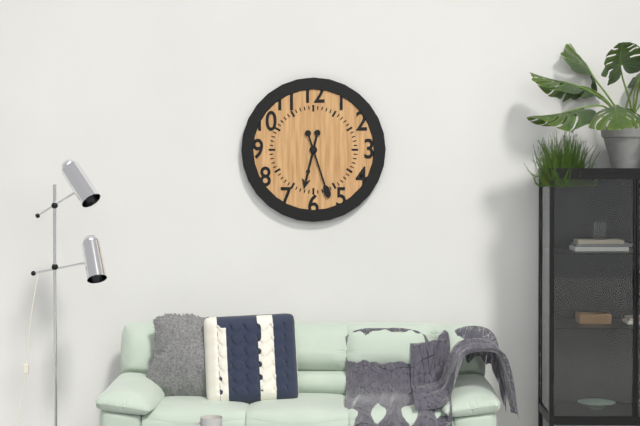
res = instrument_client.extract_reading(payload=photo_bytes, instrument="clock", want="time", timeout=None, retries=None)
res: 6:27
